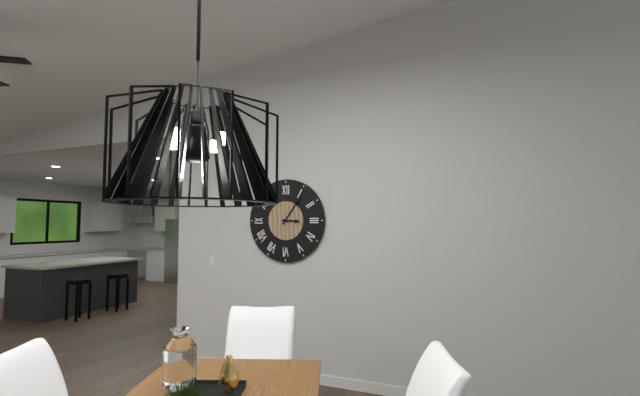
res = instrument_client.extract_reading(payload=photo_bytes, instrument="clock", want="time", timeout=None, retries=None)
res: 3:06
